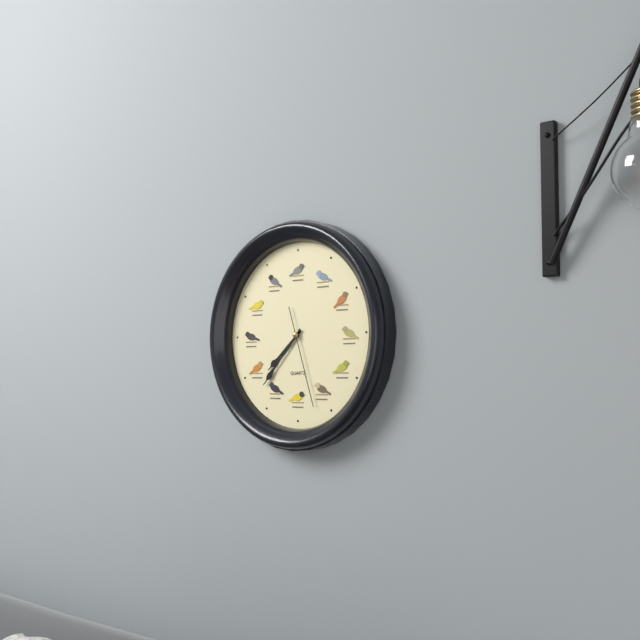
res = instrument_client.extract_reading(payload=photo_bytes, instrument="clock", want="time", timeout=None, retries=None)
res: 7:37:27
